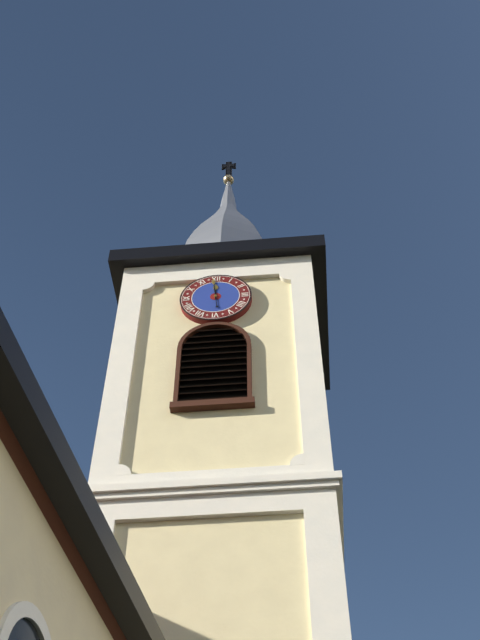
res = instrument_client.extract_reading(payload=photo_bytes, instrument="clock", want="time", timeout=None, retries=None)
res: 11:59
